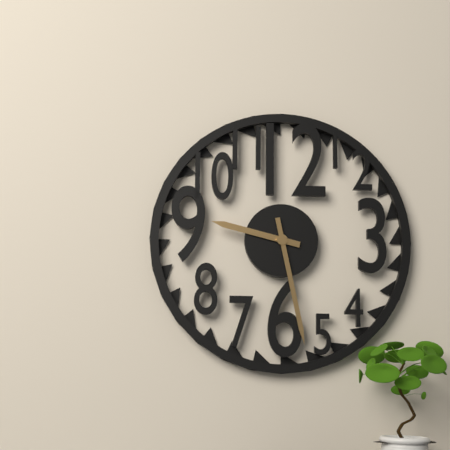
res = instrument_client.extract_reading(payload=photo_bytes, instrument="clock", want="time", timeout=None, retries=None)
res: 9:28
